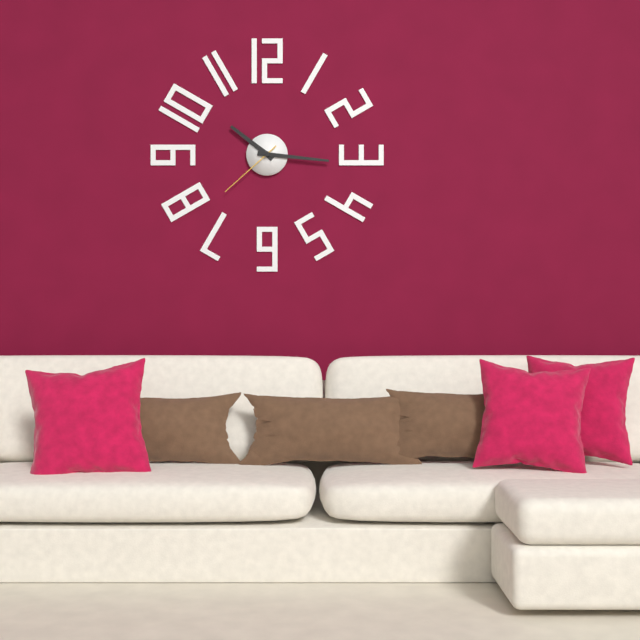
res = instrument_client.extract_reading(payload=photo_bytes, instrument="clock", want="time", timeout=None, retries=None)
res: 10:16:38
